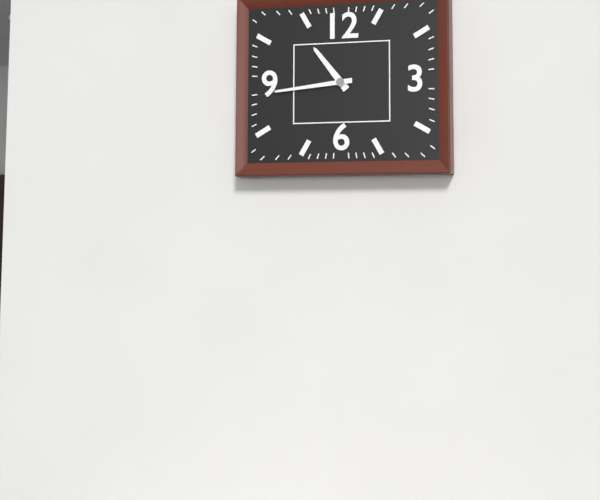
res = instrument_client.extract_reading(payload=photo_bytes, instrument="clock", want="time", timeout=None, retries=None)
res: 10:44
